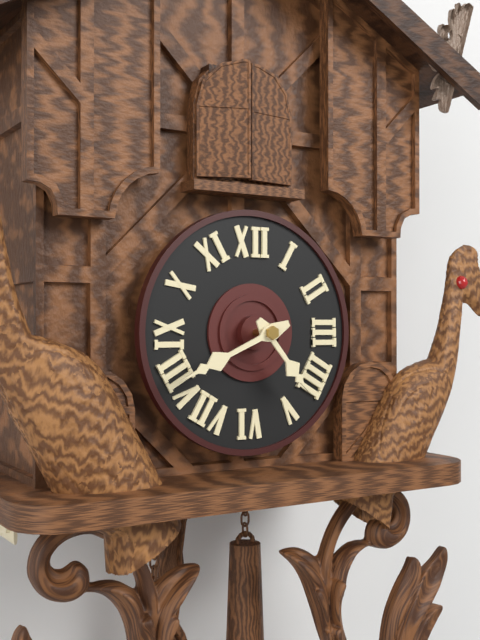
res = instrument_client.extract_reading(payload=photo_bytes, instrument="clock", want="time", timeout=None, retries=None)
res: 4:41
